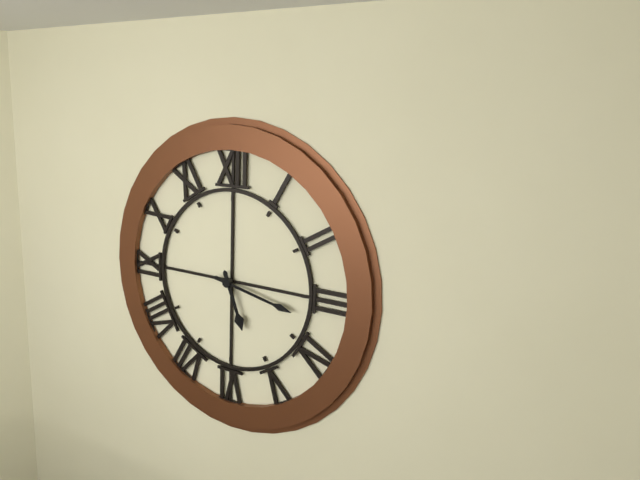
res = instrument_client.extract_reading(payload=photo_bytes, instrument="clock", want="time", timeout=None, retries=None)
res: 5:17
